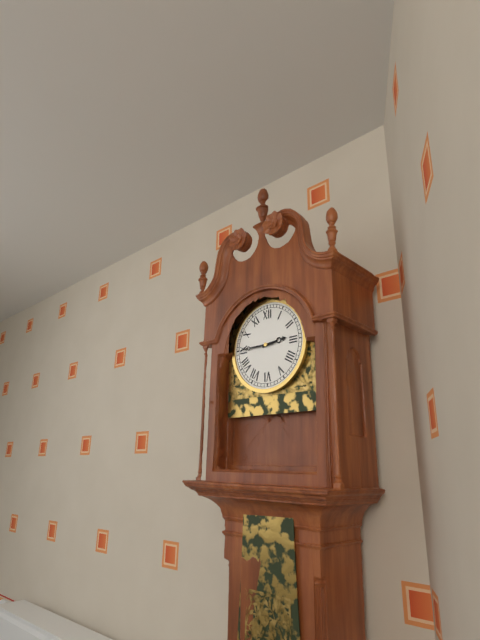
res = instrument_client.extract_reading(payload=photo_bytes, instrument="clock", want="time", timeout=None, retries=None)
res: 2:45
